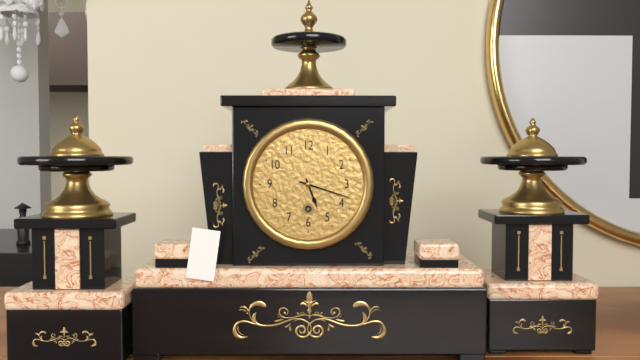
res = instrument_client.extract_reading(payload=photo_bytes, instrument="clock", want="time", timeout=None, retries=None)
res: 5:18
